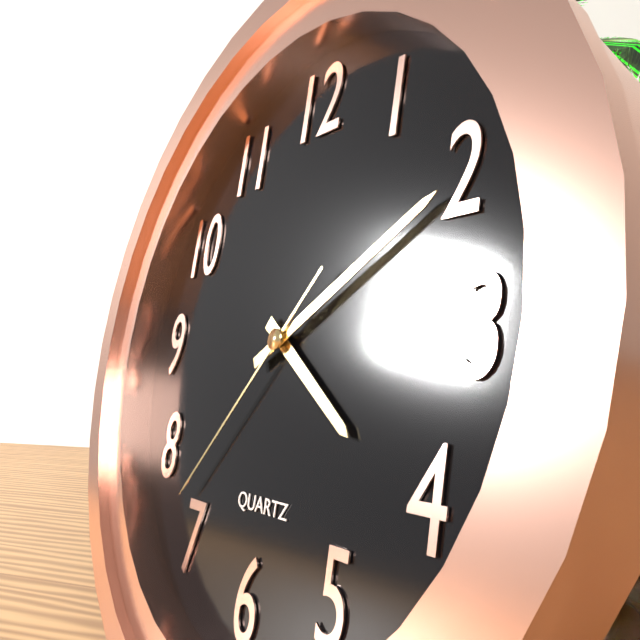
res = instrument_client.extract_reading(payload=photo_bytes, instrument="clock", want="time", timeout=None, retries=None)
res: 4:10:37
